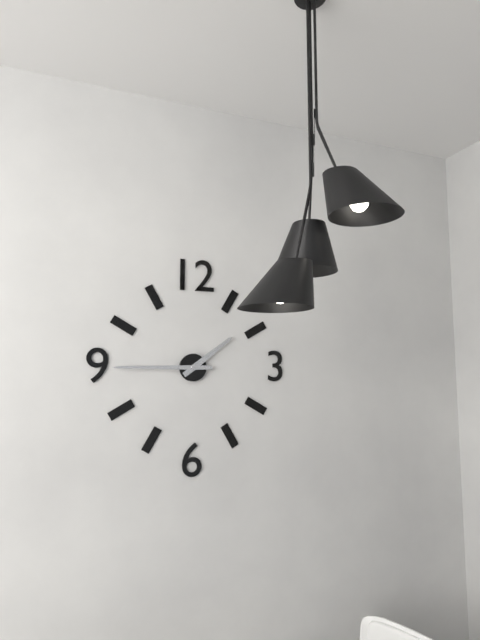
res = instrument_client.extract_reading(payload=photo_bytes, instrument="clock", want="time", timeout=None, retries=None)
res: 1:45
